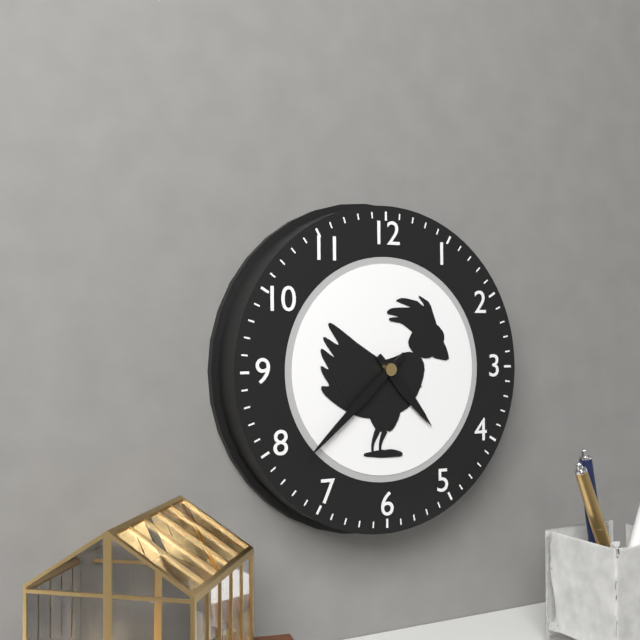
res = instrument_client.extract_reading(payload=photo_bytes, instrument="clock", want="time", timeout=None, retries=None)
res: 4:38
